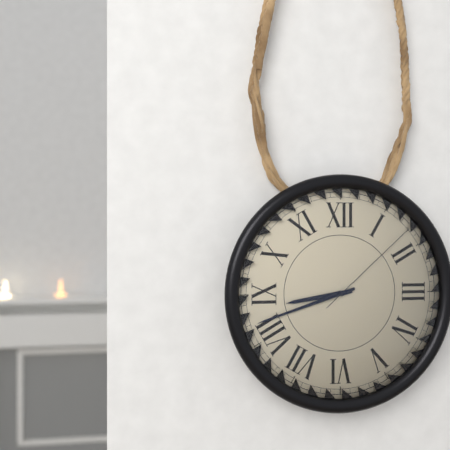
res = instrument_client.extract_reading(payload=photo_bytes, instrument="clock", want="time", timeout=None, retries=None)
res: 8:42:08
